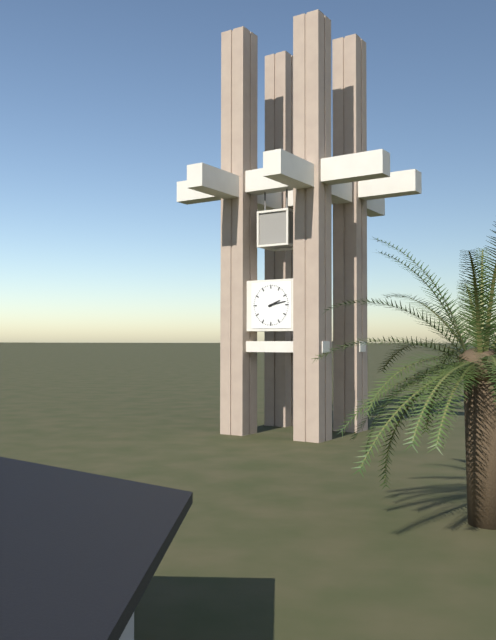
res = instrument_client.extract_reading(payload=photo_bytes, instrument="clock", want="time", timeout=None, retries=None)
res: 2:13
